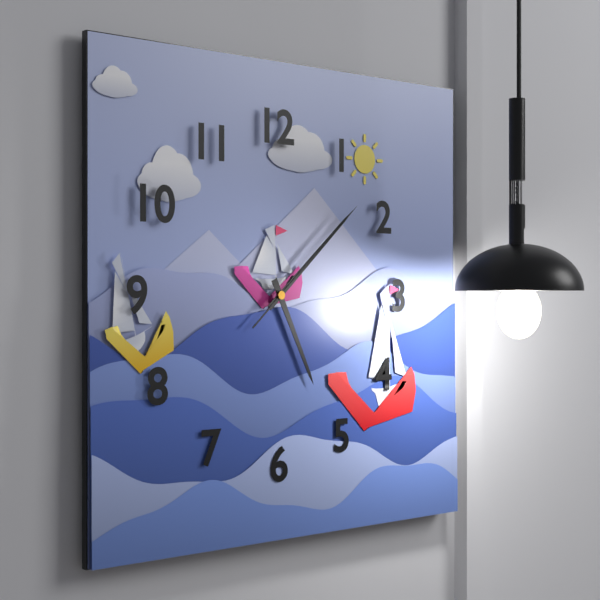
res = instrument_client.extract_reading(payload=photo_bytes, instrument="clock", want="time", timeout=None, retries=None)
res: 5:08:08
